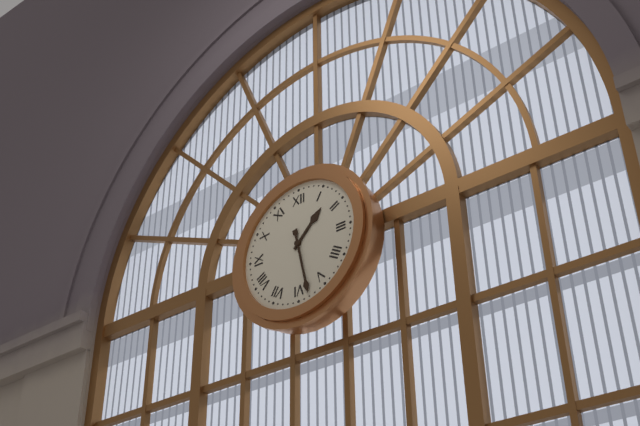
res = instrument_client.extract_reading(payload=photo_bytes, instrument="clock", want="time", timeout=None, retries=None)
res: 1:28
